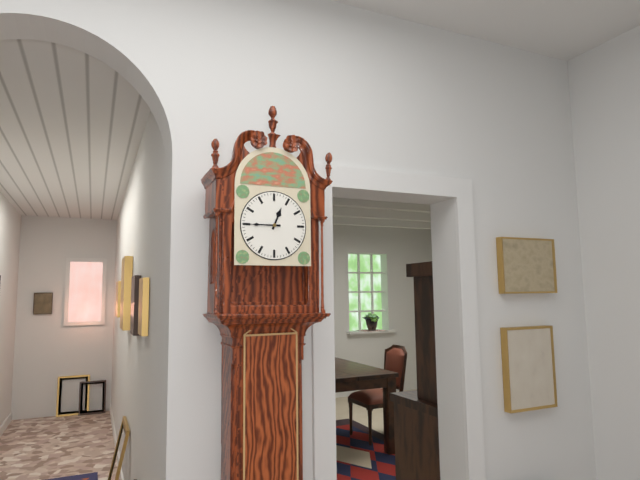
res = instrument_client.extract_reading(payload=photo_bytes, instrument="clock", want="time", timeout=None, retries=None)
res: 12:45
